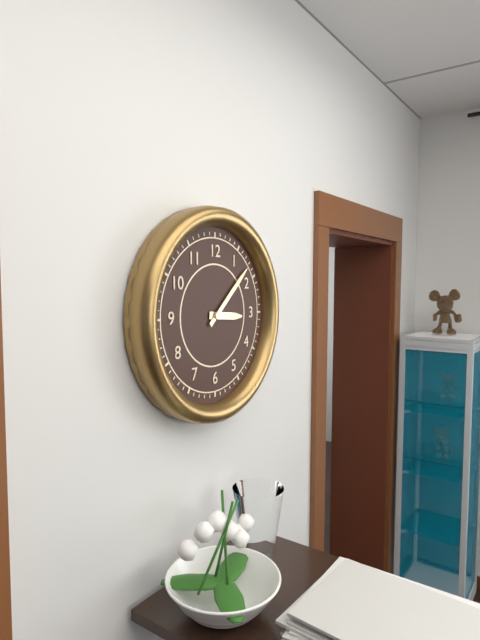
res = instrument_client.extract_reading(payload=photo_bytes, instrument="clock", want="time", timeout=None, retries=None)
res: 3:08
